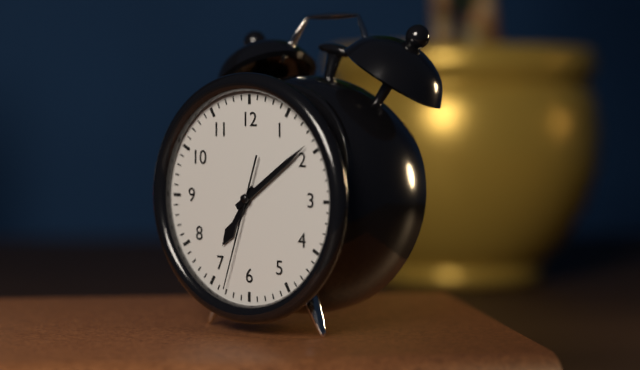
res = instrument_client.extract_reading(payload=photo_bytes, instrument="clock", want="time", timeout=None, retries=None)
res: 7:09:33
